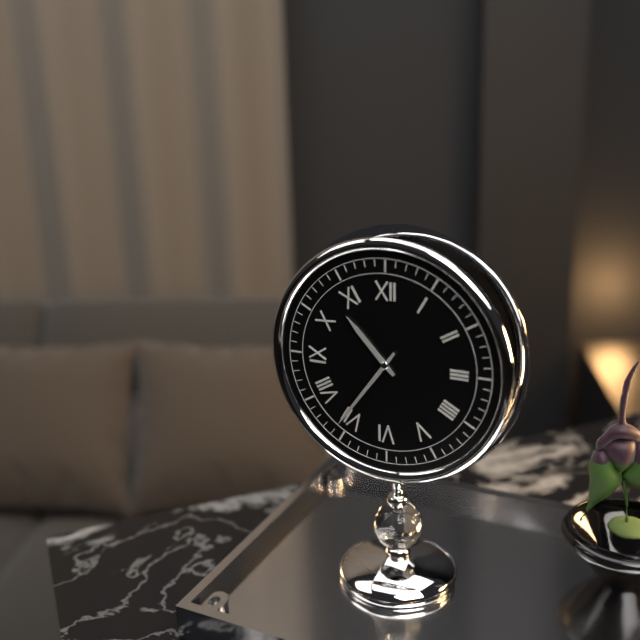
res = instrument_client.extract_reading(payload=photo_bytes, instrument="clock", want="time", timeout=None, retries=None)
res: 10:36
